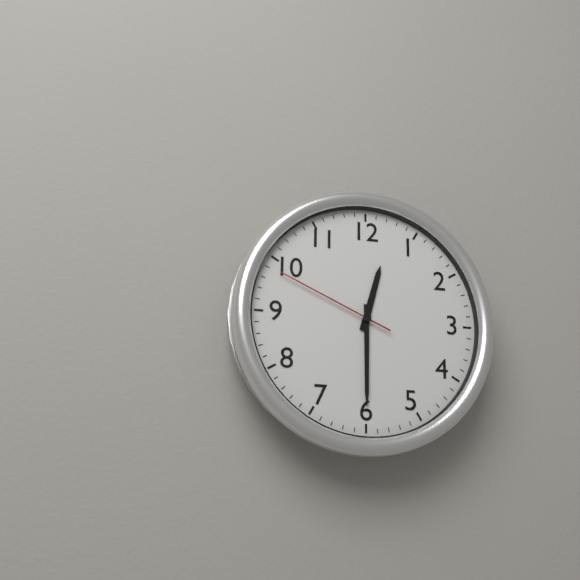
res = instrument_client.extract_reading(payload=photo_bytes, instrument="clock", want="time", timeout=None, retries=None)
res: 12:30:49
